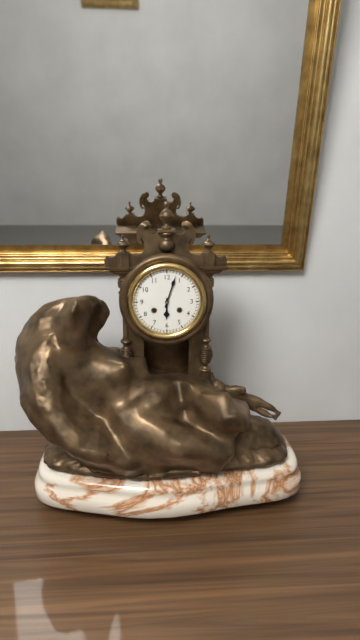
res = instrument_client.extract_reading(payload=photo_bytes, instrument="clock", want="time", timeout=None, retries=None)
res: 6:03
